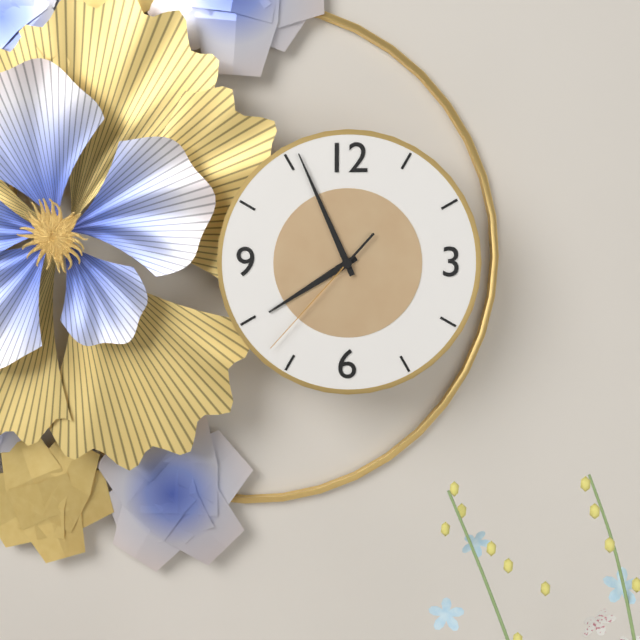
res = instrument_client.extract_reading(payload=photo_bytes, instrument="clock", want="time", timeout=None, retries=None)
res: 7:56:37
